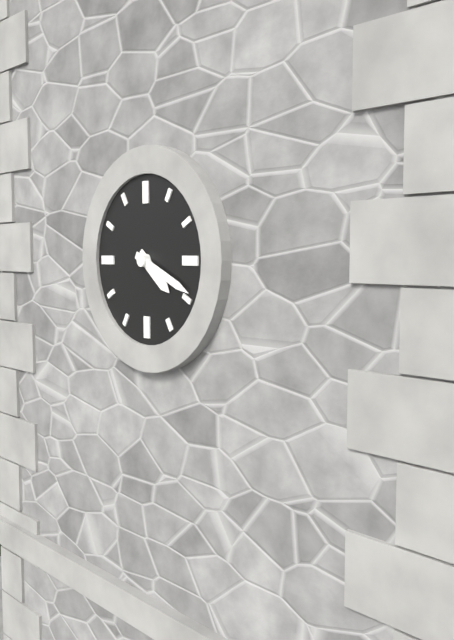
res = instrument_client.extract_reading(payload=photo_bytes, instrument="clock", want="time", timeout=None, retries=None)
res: 4:19
